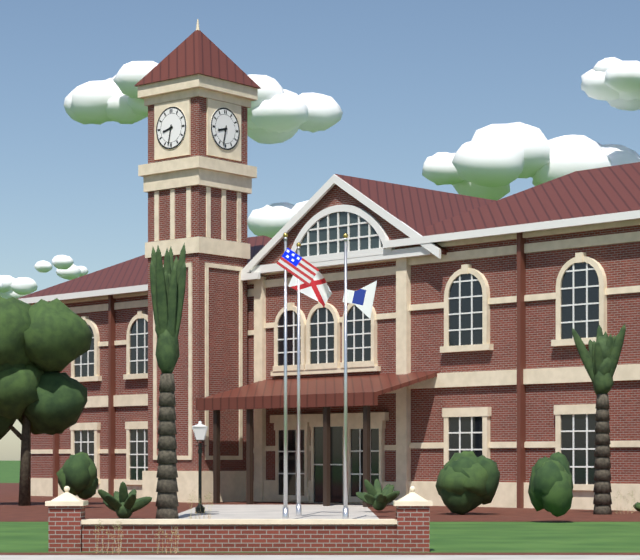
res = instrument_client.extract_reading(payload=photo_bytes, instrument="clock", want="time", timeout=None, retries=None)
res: 8:32
